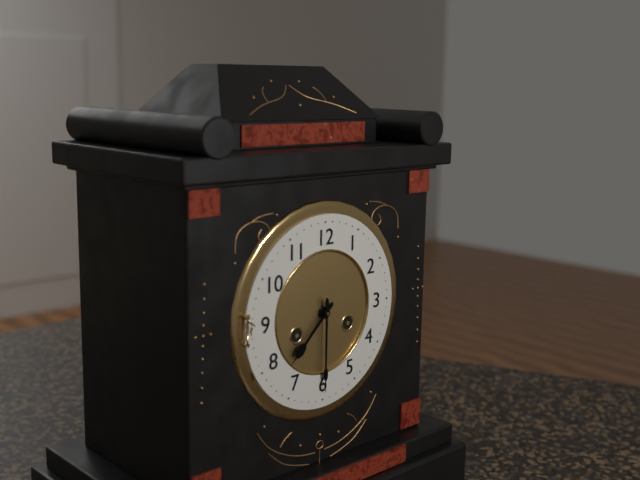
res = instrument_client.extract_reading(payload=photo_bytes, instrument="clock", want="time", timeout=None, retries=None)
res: 7:30
